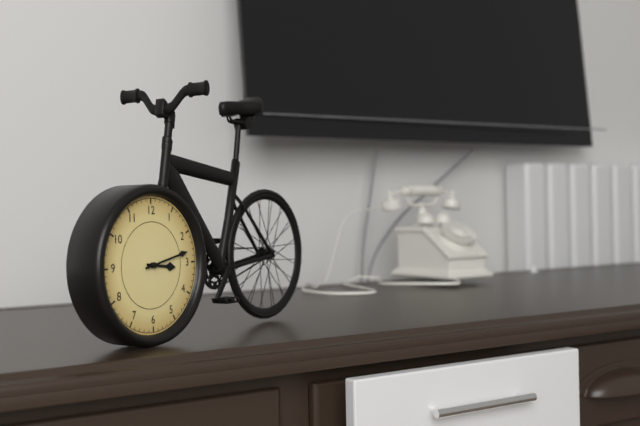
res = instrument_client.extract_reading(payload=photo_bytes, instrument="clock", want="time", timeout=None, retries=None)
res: 3:13
